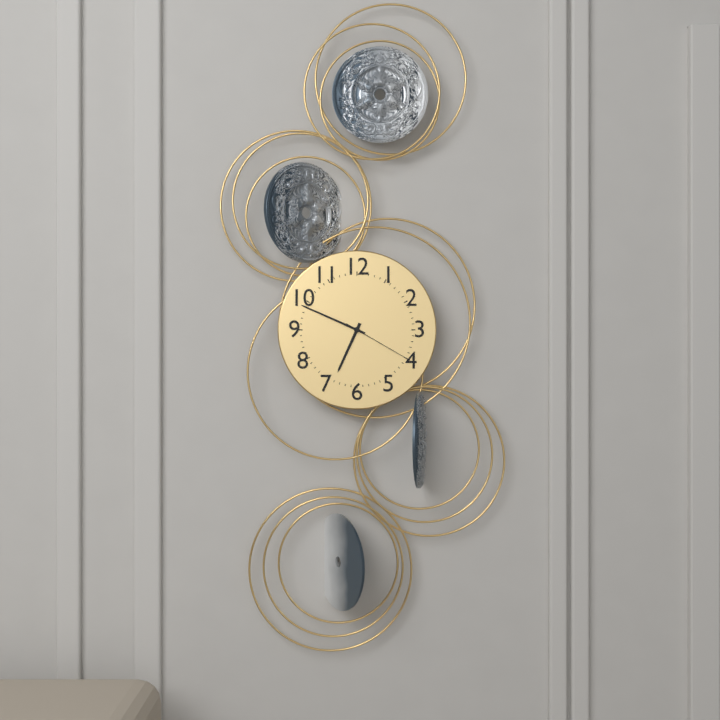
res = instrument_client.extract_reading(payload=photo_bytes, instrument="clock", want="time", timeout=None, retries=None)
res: 6:49:20
